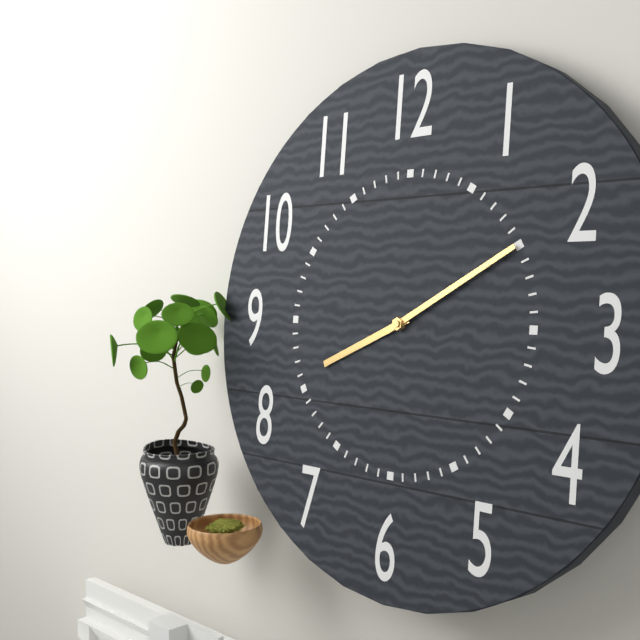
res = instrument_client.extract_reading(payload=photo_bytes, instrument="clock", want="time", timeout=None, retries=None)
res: 8:10
